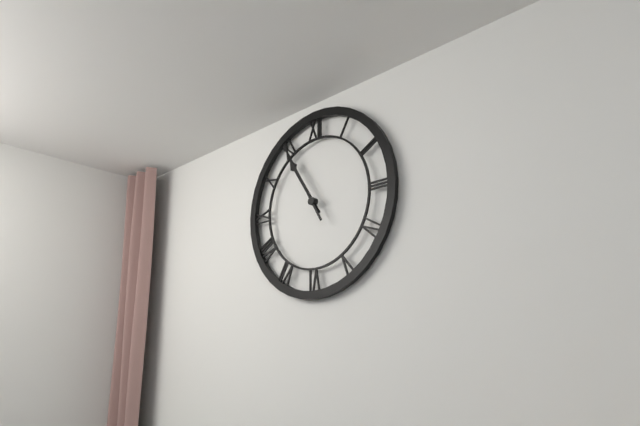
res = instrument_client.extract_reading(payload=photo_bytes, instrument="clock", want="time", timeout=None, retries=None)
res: 10:55
